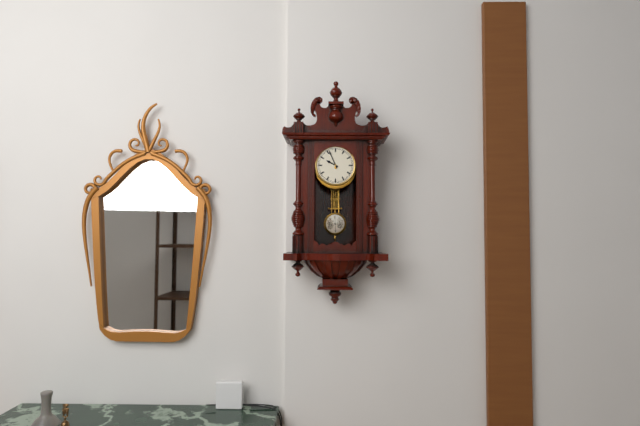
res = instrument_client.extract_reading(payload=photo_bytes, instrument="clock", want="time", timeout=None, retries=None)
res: 9:56
